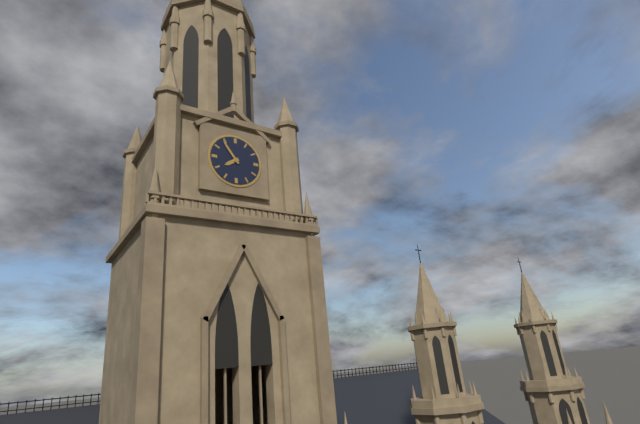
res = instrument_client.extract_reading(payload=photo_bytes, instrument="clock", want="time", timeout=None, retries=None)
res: 7:54
